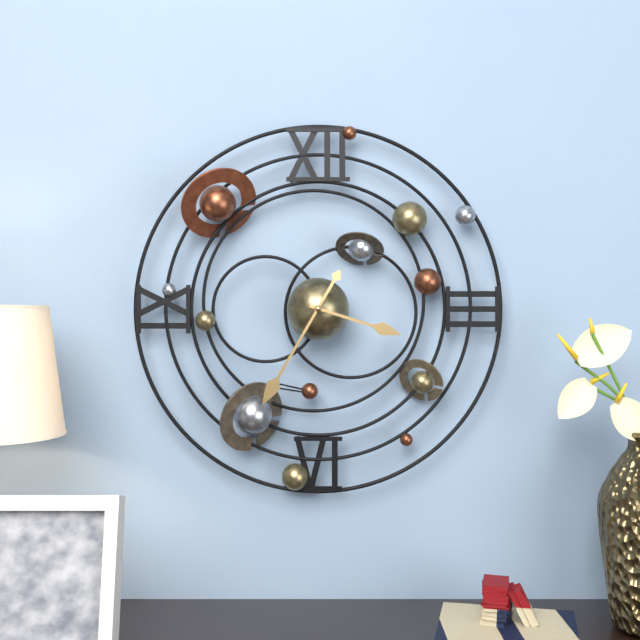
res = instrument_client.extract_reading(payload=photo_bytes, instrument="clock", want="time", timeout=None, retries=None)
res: 3:35
